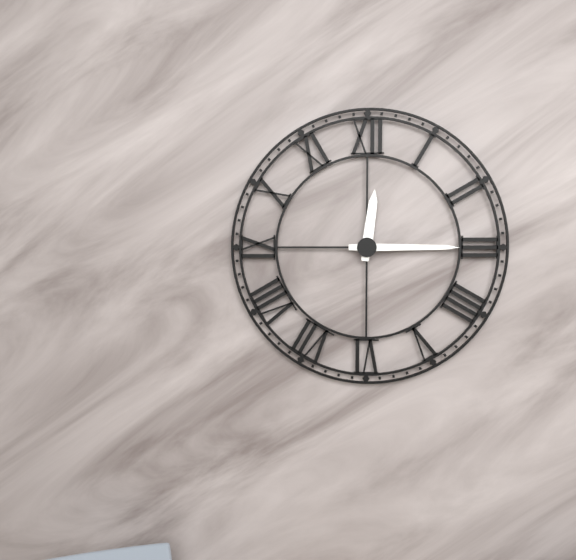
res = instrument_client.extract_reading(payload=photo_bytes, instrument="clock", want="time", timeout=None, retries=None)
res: 12:15
